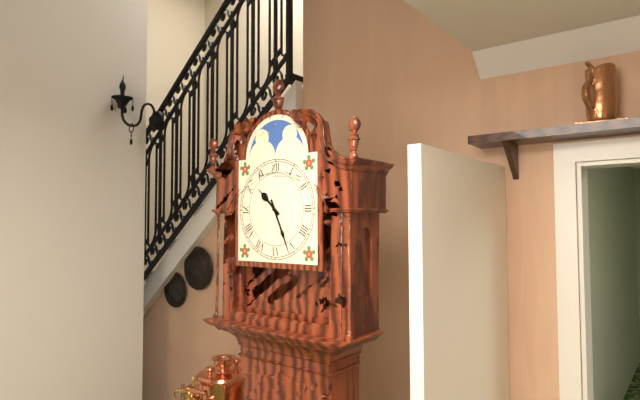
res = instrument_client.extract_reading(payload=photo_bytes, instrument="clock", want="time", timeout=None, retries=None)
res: 10:26
